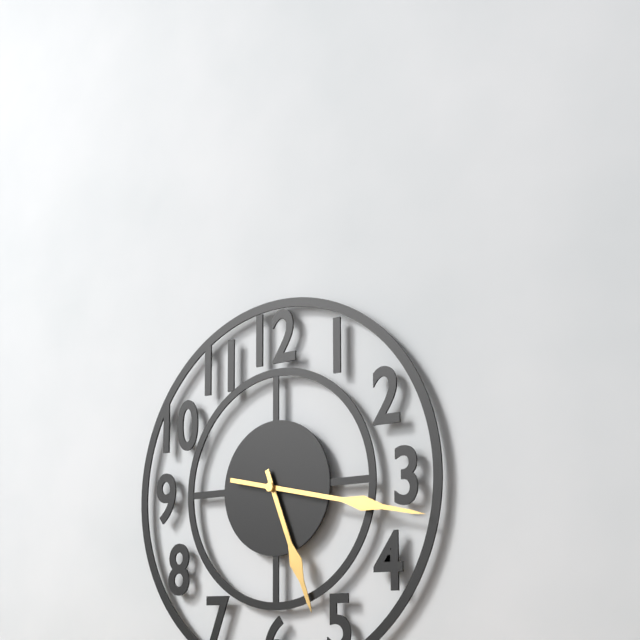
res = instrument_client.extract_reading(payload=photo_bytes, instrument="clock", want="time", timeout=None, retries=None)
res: 5:17
